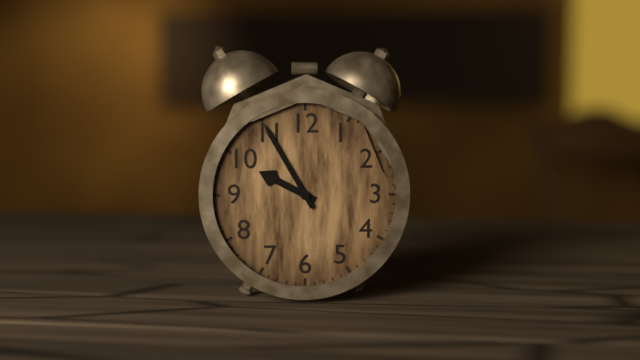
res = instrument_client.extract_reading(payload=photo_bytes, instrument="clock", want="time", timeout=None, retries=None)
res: 9:55
